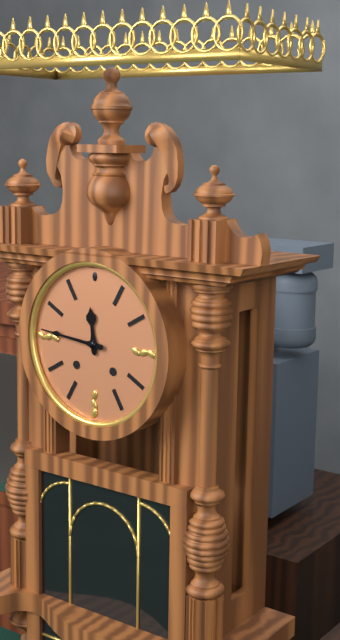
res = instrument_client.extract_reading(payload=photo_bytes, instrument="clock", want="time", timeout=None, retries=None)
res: 11:46
